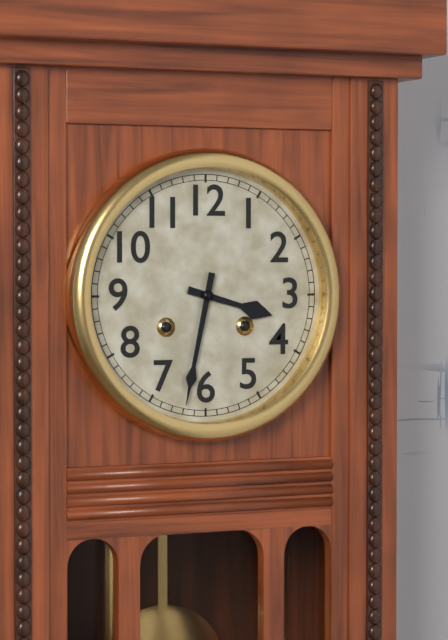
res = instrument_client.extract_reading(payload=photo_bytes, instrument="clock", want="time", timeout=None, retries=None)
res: 3:32
